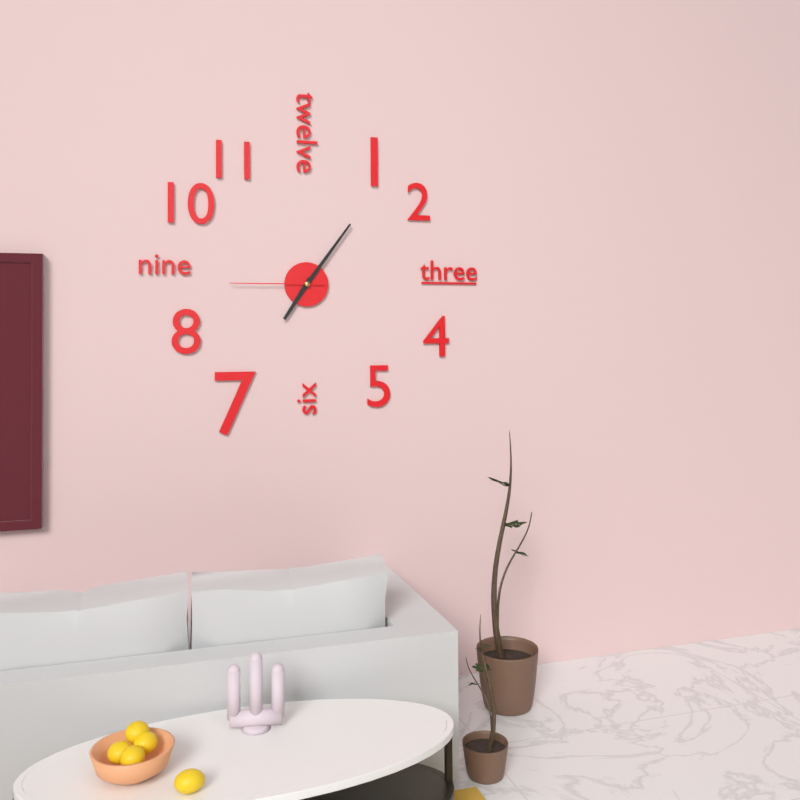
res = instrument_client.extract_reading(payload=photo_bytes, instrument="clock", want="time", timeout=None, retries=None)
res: 7:06:45
